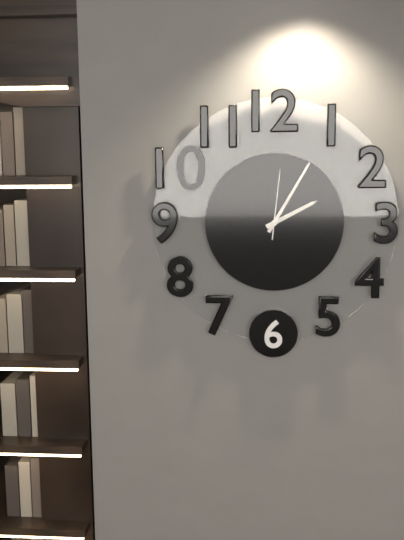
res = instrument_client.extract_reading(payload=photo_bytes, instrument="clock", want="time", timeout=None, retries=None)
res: 2:05:01
